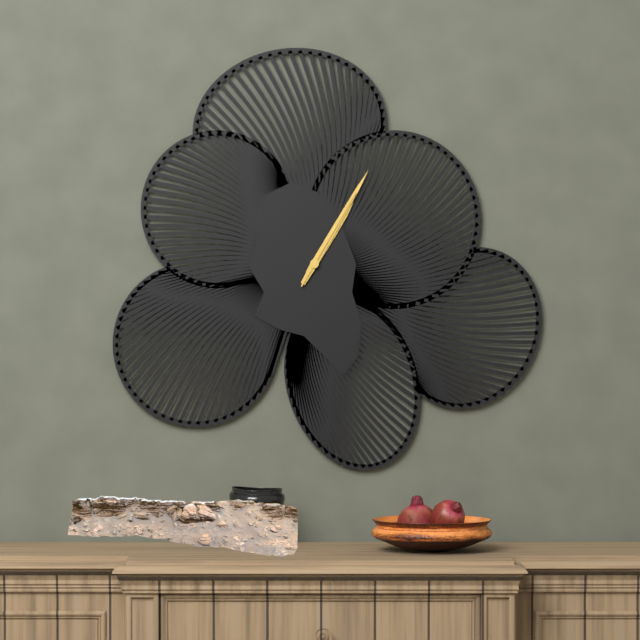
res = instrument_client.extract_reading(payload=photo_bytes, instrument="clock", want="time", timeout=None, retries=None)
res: 1:05:05
